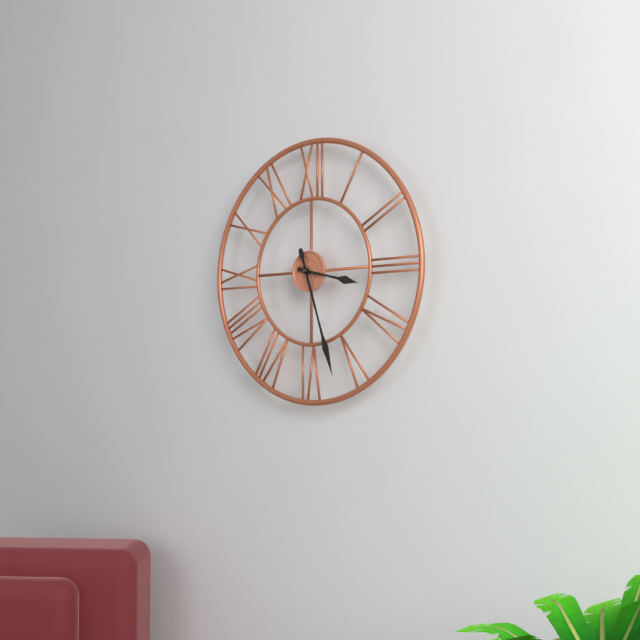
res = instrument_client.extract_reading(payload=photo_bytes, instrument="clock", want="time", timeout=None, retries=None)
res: 3:27
